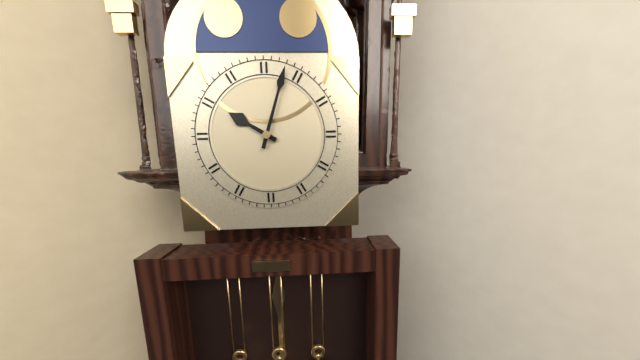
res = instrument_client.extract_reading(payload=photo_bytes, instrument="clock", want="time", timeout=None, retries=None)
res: 10:03
